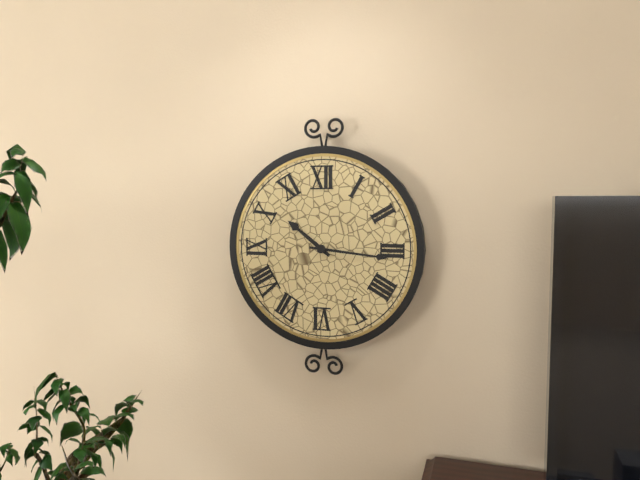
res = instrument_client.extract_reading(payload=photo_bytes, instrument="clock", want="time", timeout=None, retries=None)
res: 10:16
